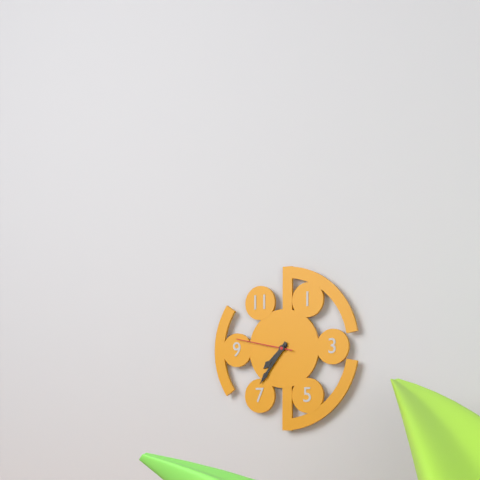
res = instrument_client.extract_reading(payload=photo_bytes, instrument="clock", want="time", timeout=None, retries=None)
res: 7:36:47
